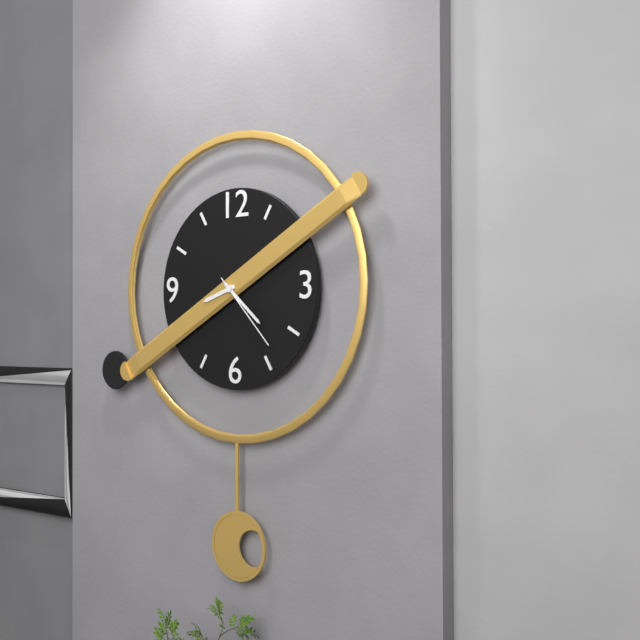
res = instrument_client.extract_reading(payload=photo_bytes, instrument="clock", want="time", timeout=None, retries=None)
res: 8:22:23
